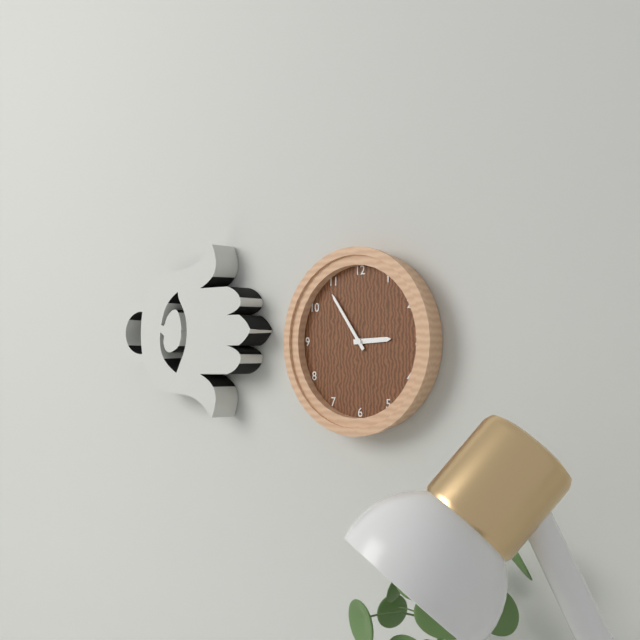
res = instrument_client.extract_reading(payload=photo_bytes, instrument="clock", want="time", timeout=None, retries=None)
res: 2:54
